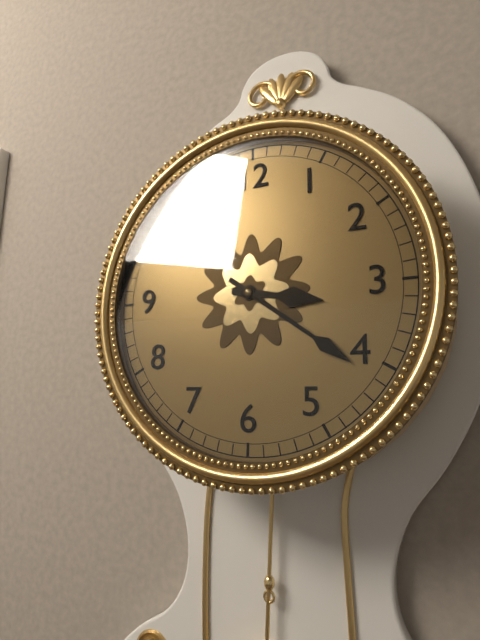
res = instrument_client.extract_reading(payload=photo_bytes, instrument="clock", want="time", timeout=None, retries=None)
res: 3:21
